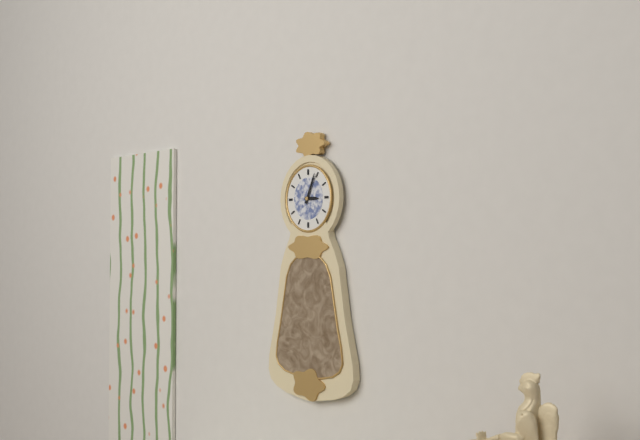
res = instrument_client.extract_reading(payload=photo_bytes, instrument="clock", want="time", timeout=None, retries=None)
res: 3:04
